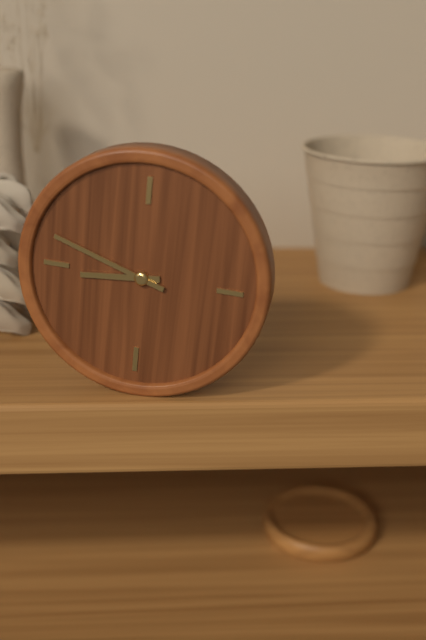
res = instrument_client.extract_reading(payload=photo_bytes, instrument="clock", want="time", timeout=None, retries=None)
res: 8:48
